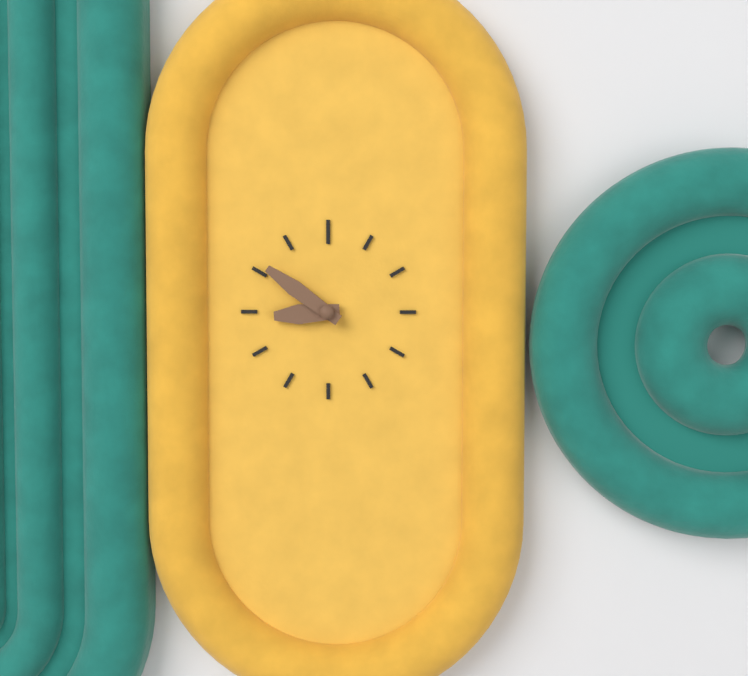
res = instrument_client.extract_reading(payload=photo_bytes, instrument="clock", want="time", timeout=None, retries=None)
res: 8:51
